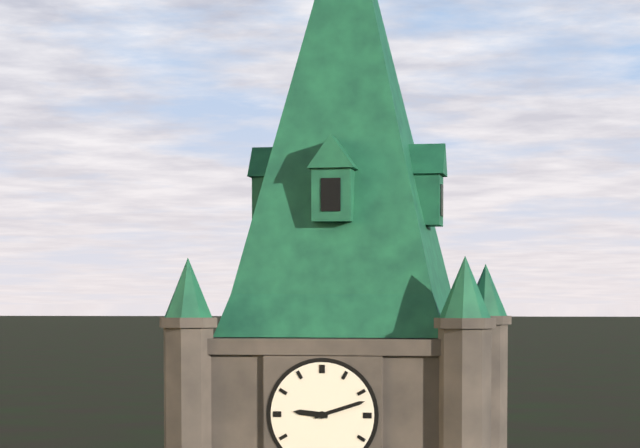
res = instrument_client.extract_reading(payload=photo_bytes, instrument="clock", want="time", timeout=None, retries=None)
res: 9:12
